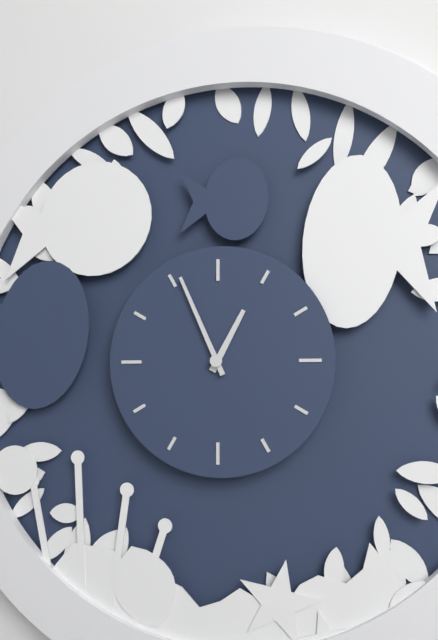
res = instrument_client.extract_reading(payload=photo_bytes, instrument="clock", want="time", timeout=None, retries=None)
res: 12:56
